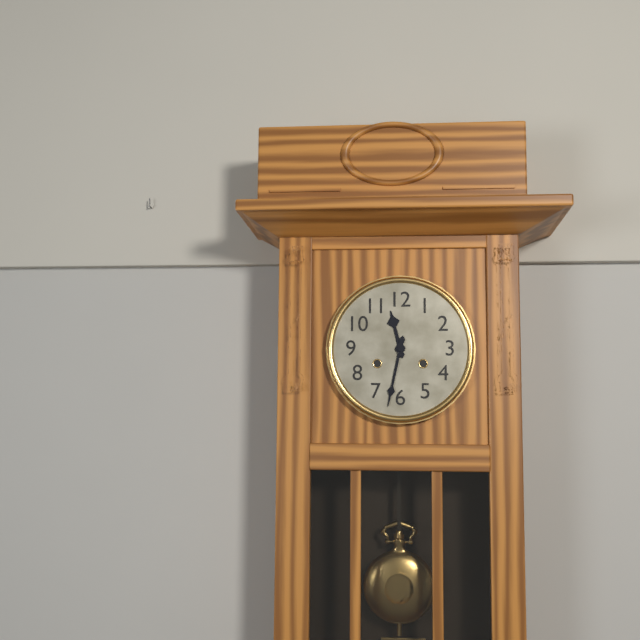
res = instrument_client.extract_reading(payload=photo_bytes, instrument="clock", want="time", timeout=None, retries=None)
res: 11:32
